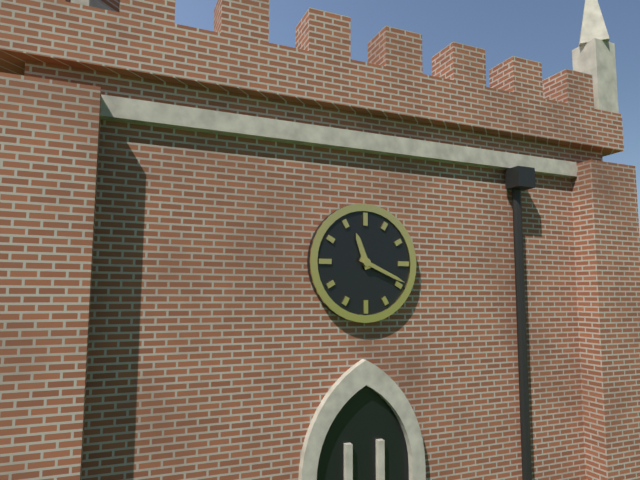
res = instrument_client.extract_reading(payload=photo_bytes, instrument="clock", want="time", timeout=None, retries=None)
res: 11:19
